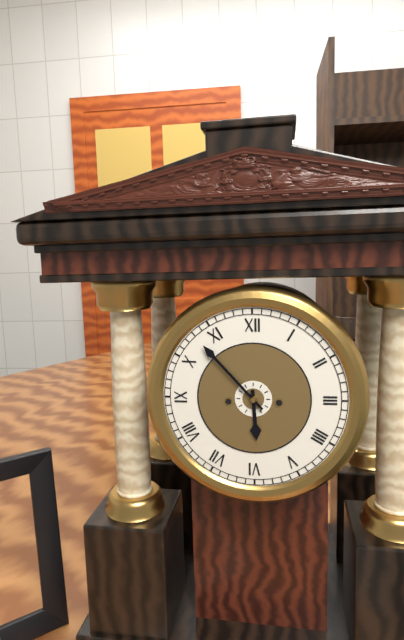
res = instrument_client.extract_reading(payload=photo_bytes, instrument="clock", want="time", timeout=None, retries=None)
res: 5:53
